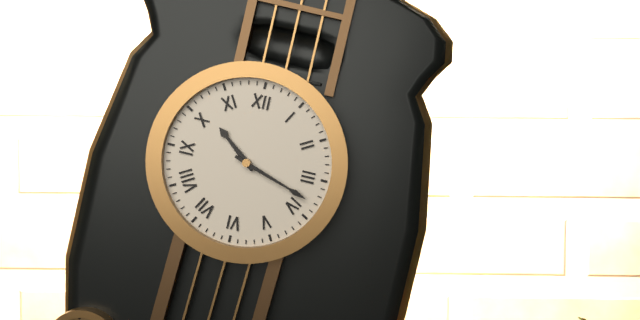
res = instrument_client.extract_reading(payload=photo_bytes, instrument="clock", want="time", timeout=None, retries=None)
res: 10:18
